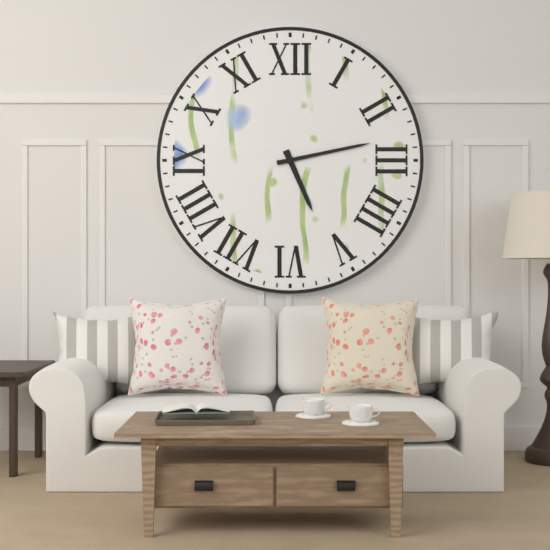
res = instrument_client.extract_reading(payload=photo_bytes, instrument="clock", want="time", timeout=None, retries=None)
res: 5:13
